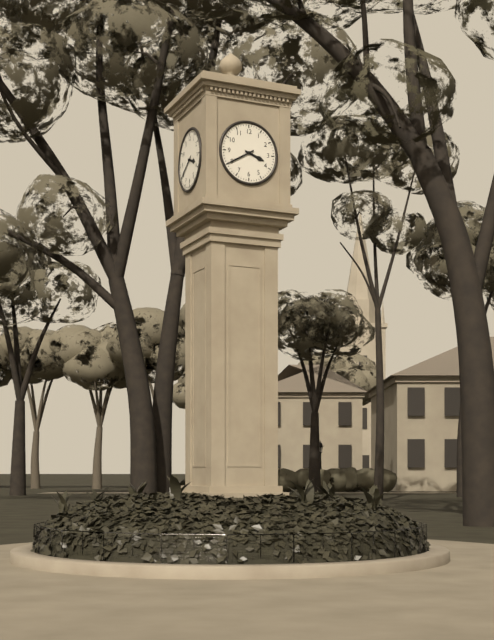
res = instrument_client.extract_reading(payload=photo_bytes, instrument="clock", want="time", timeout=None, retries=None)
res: 3:40
